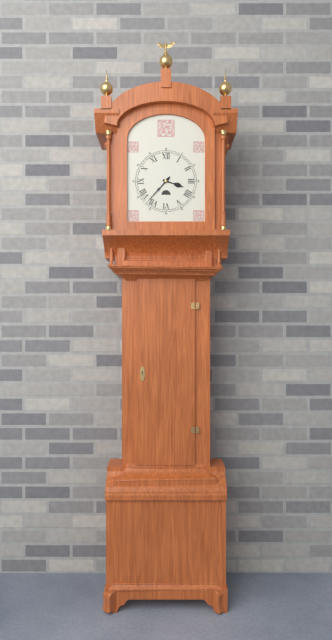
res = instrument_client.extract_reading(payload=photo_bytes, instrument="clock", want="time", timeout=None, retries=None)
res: 3:37
